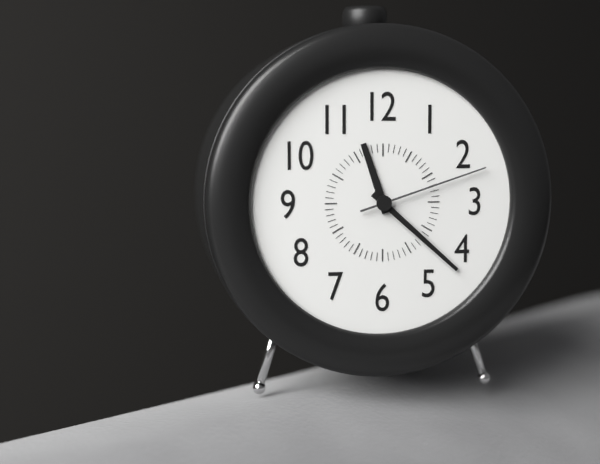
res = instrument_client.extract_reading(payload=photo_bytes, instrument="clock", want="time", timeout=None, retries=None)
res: 11:22:12
